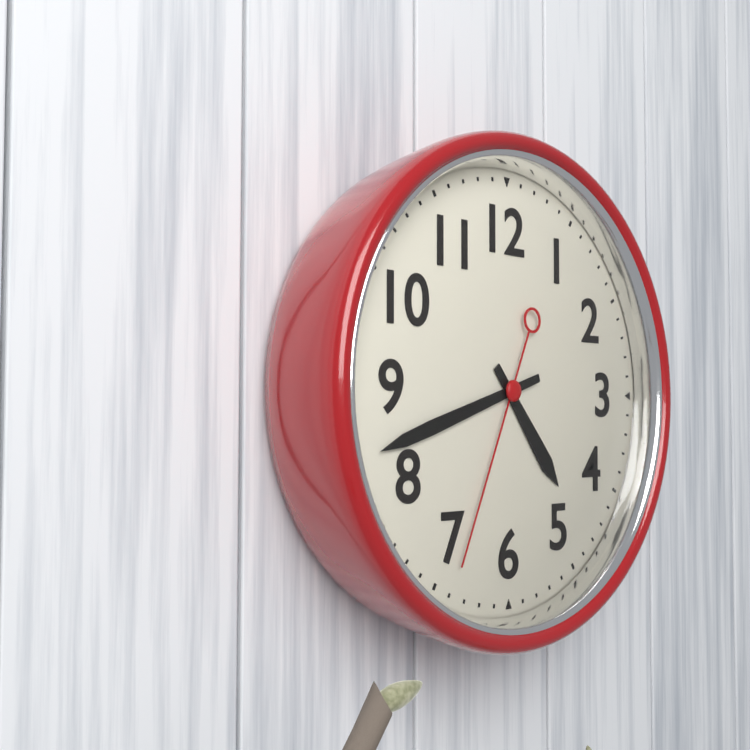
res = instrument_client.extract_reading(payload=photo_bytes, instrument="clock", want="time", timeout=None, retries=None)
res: 4:42:34
